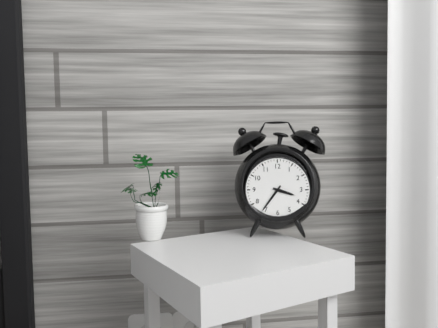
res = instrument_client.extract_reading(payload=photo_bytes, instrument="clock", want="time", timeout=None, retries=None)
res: 3:36
